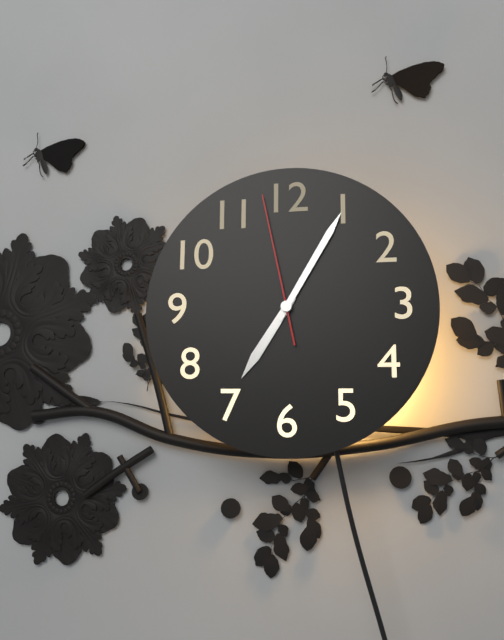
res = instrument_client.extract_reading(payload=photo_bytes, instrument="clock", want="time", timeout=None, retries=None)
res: 7:05:58
